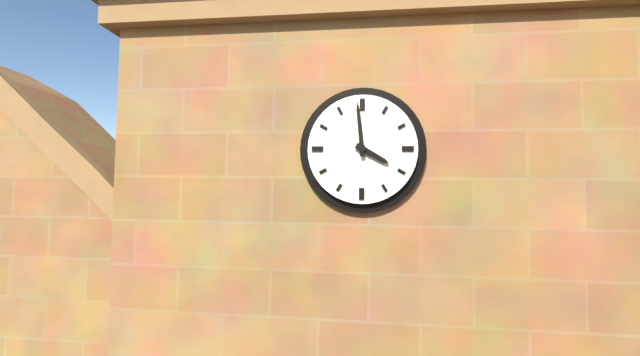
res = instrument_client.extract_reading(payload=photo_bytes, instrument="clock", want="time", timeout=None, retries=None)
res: 3:59
